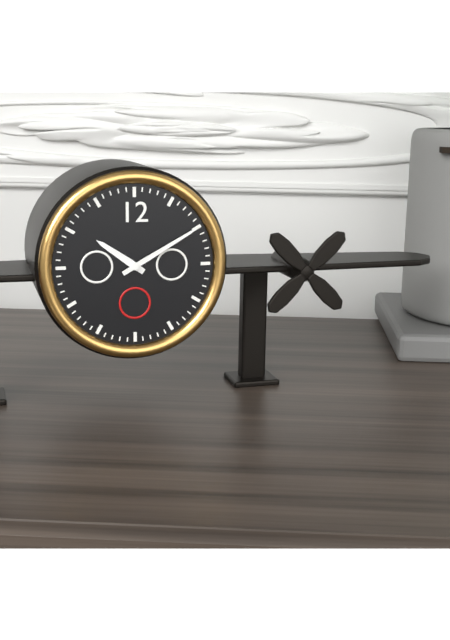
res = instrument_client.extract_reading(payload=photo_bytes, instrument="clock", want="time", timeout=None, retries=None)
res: 10:10
